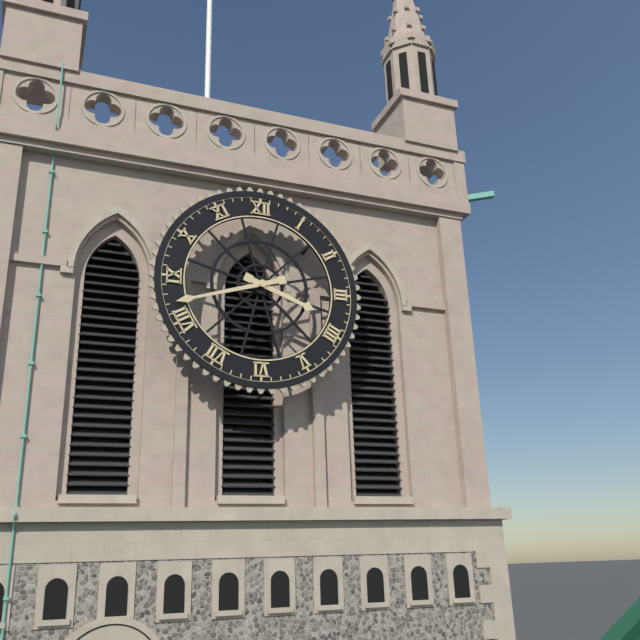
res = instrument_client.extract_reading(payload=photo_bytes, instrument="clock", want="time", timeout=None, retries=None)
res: 3:42
